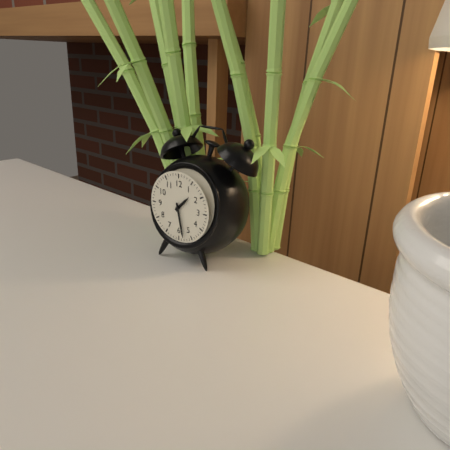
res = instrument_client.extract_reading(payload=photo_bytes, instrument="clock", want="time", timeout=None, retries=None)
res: 1:28
